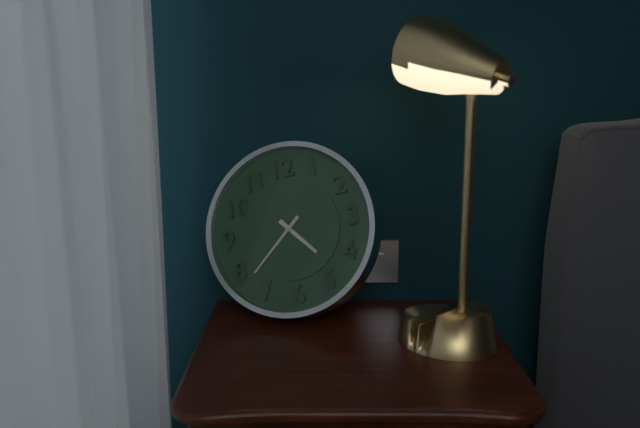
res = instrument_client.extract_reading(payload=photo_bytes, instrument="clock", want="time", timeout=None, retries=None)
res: 4:38
